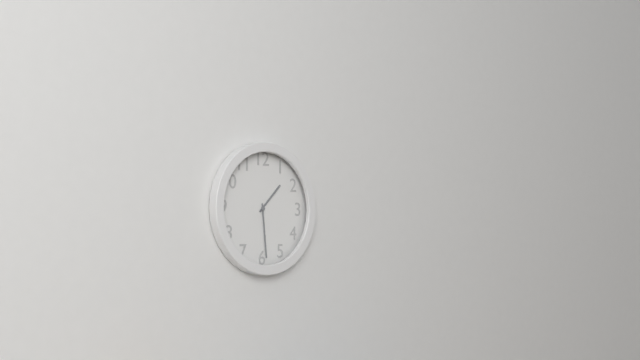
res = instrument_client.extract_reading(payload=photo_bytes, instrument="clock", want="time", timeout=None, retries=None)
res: 1:29
